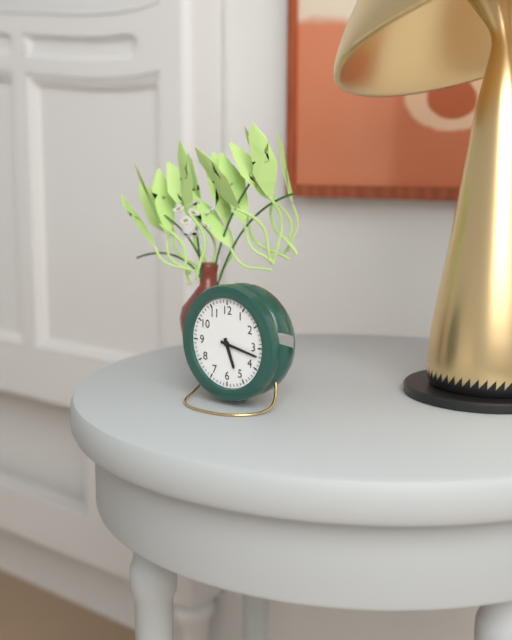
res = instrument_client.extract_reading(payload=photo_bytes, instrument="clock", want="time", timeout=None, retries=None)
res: 5:17
